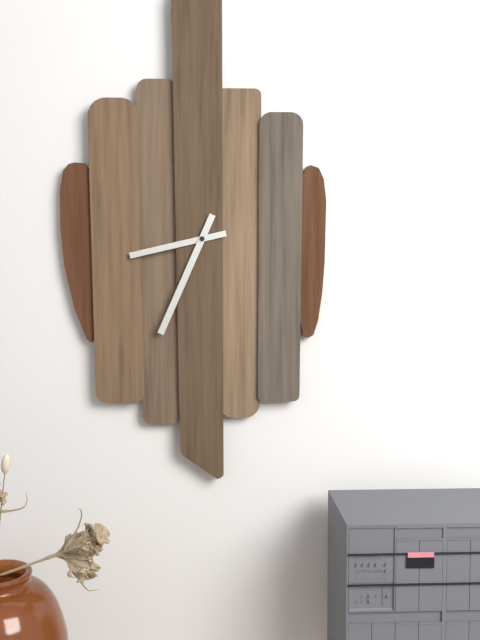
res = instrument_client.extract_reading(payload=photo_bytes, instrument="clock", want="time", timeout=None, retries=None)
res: 8:34
